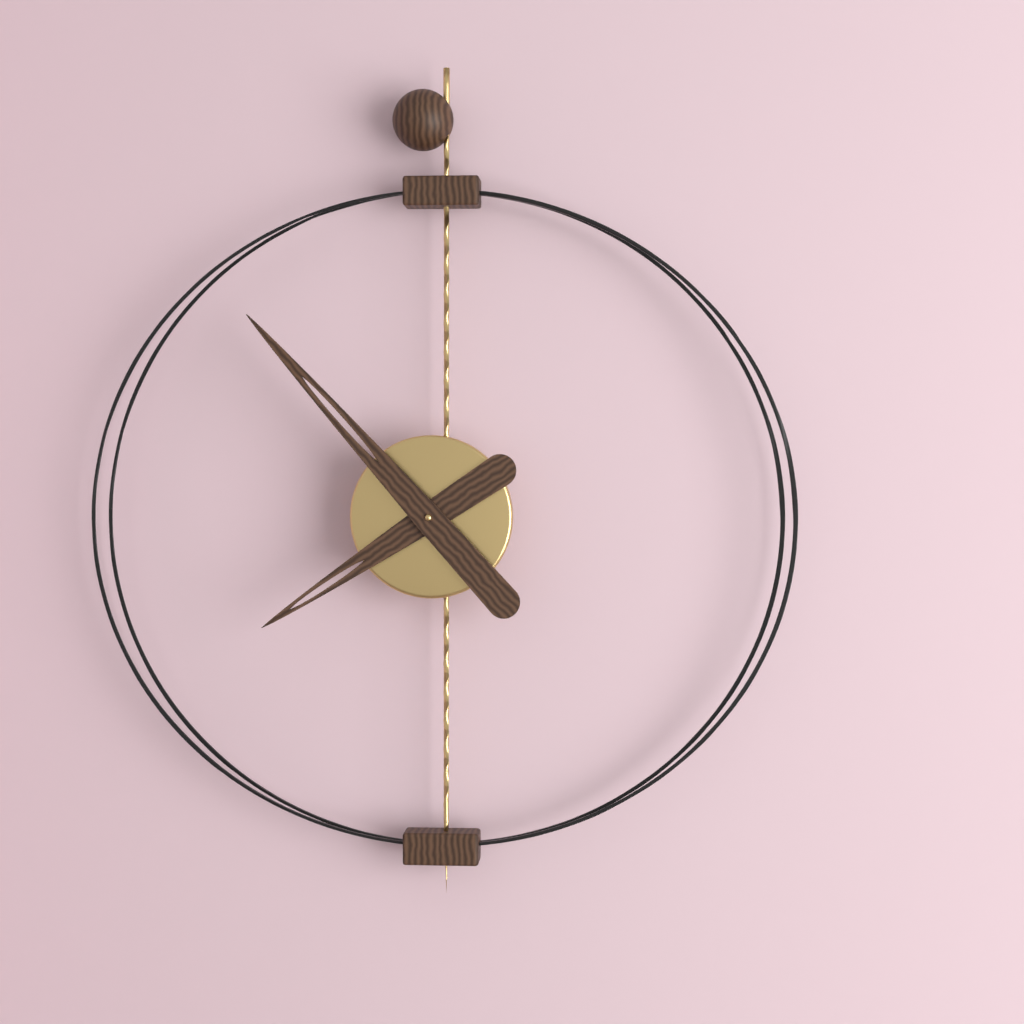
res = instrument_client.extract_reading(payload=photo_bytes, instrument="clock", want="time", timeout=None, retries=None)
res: 7:53
